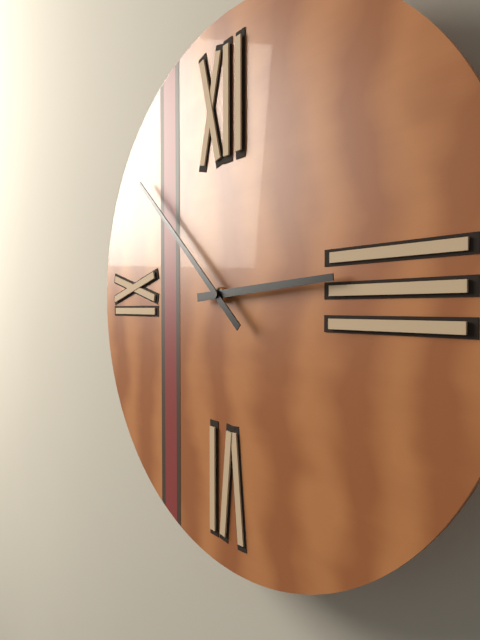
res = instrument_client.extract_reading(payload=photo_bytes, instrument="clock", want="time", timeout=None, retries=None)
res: 2:52
